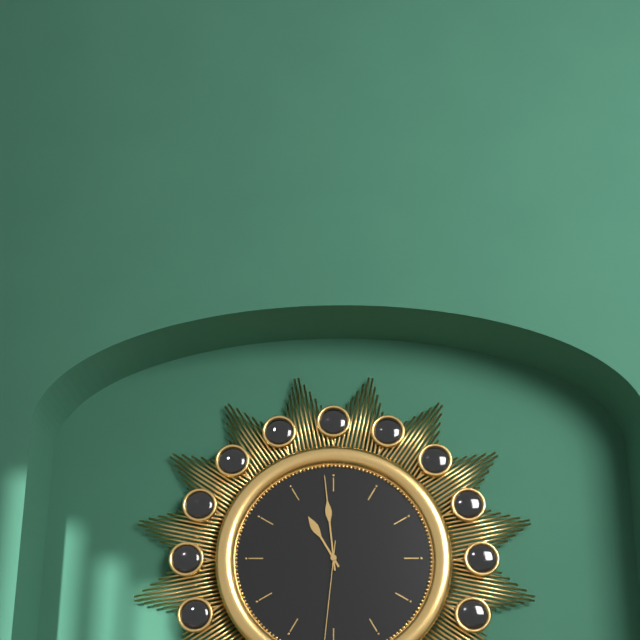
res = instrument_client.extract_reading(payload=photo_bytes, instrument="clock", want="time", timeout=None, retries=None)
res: 10:59
